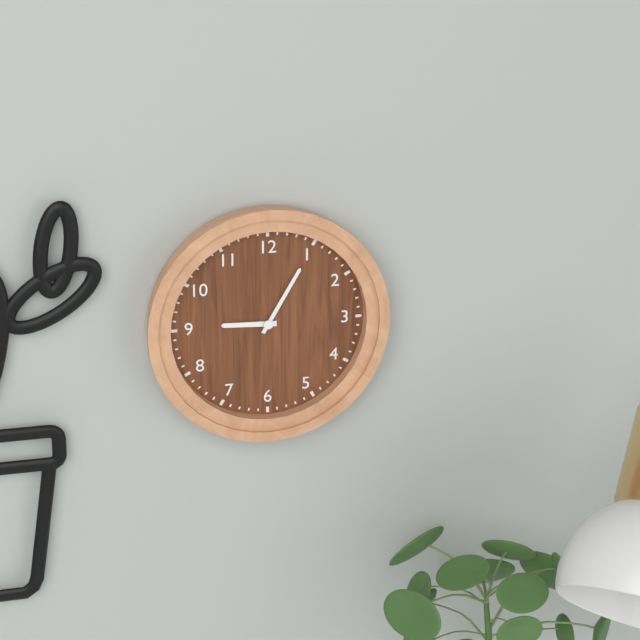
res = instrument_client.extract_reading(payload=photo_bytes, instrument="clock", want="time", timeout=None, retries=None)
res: 9:05
